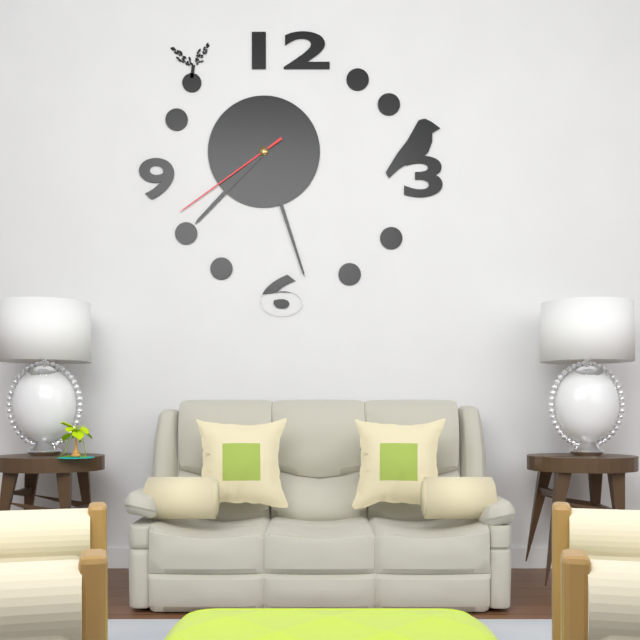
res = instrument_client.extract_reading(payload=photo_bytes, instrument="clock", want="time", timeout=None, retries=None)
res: 7:27:39
